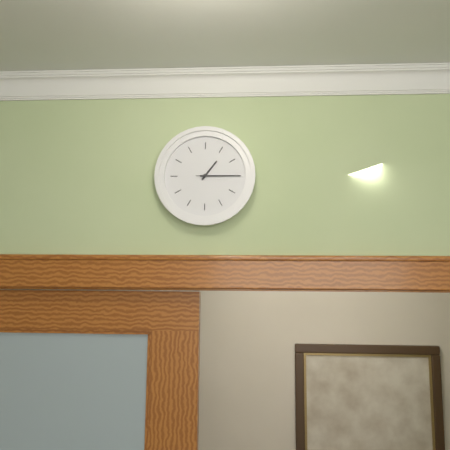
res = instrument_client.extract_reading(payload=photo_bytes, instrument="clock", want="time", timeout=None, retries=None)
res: 1:15
